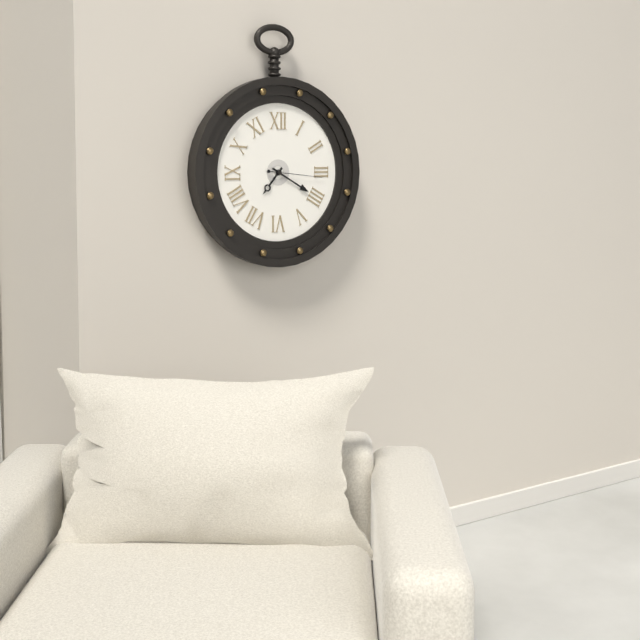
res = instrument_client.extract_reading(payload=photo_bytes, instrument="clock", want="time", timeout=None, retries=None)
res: 7:20:16
